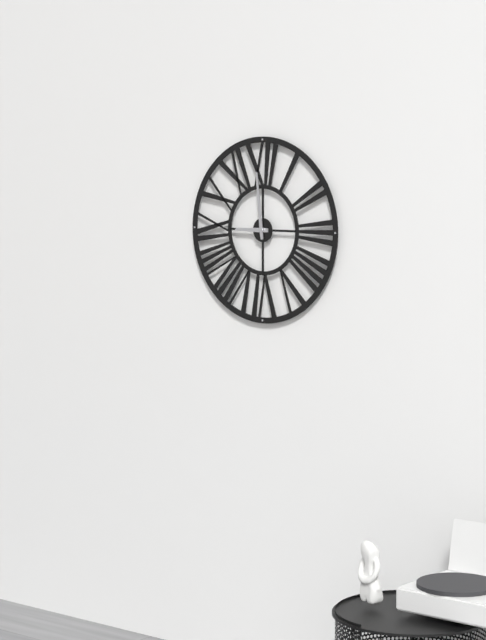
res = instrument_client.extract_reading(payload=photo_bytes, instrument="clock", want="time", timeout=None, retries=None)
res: 8:59
